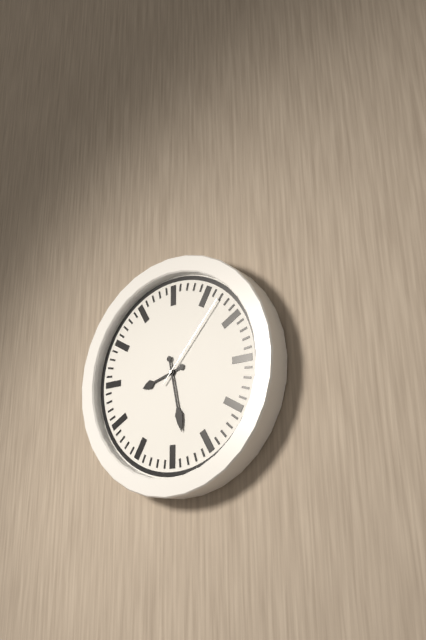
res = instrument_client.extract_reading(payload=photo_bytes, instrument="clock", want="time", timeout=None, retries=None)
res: 8:28:07
